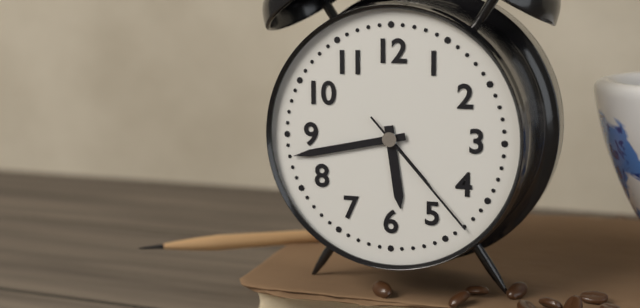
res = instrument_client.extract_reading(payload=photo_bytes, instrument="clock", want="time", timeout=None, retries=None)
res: 5:43:23
